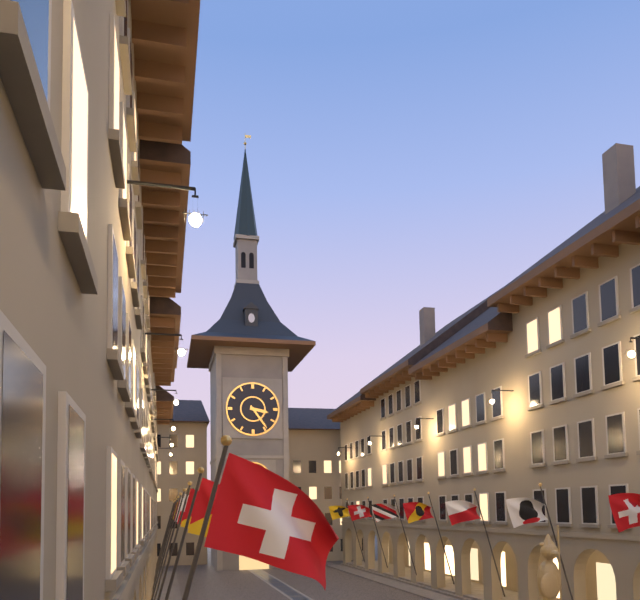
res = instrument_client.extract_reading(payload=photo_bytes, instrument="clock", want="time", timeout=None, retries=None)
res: 3:24
